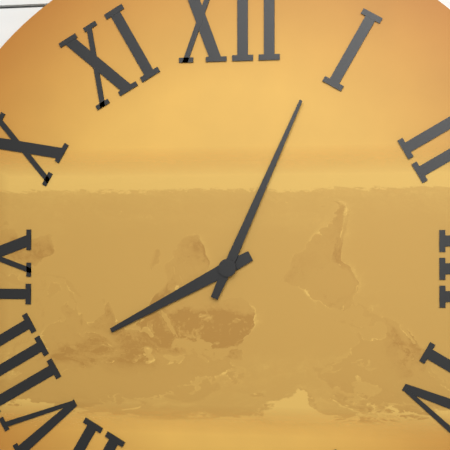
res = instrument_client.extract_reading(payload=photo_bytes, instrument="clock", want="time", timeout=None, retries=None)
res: 8:04
